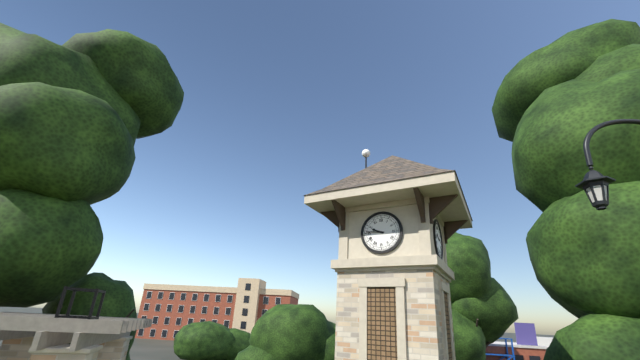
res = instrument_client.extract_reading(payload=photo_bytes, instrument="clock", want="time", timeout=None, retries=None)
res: 9:46
